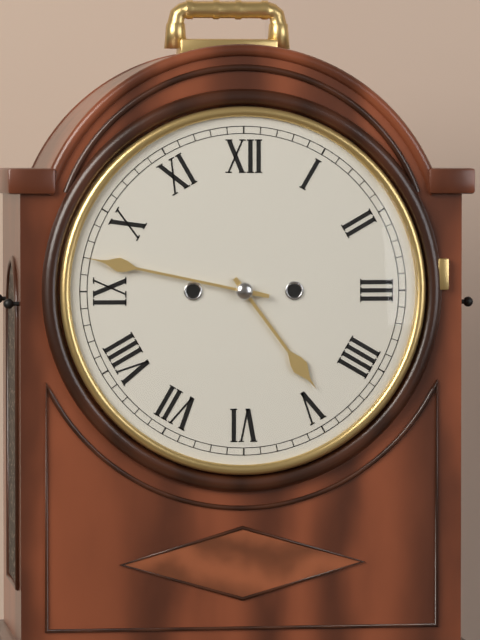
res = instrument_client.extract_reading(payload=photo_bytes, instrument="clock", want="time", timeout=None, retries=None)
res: 4:47
